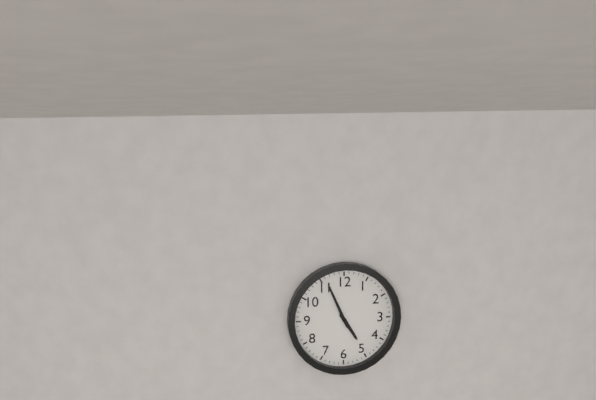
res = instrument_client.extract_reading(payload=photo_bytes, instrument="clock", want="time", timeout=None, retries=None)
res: 4:56
